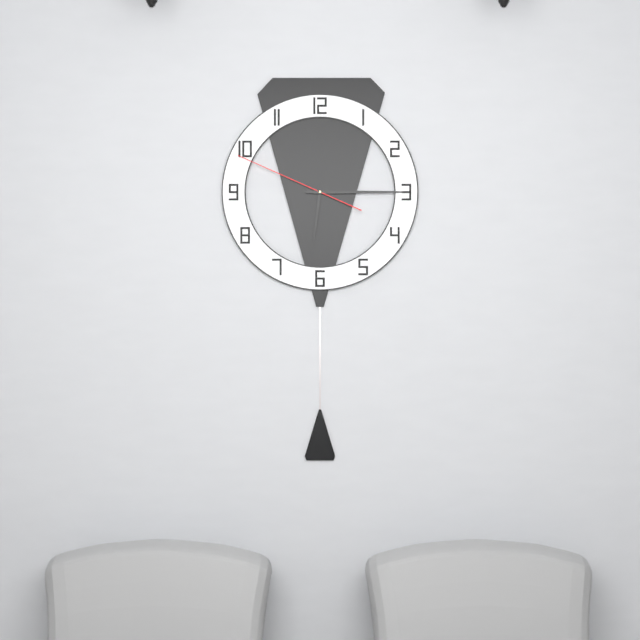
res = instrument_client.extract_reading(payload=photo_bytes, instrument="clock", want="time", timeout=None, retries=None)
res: 6:15:49
